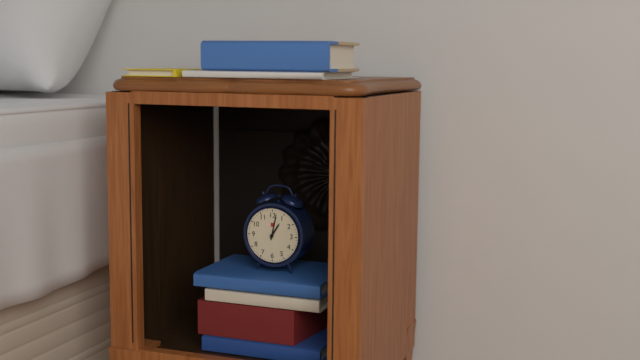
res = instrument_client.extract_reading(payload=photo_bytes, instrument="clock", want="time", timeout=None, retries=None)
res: 1:02
